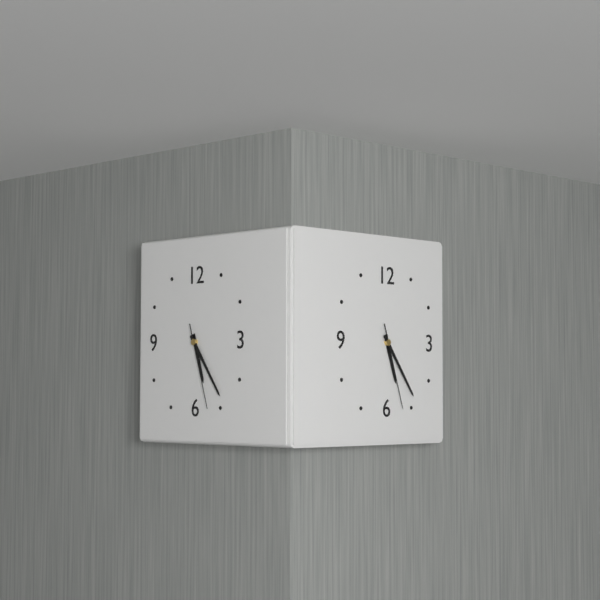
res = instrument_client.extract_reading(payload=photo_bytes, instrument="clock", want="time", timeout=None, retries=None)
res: 5:24:27
